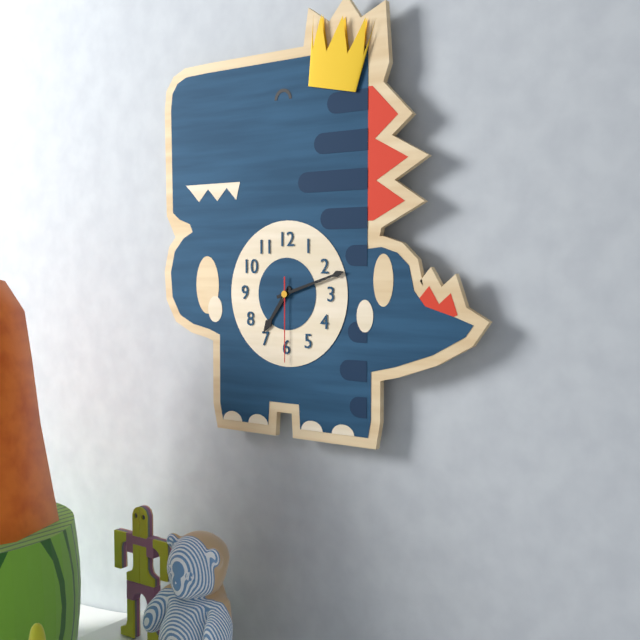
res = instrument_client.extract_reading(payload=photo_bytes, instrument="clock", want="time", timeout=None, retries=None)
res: 7:12:30
